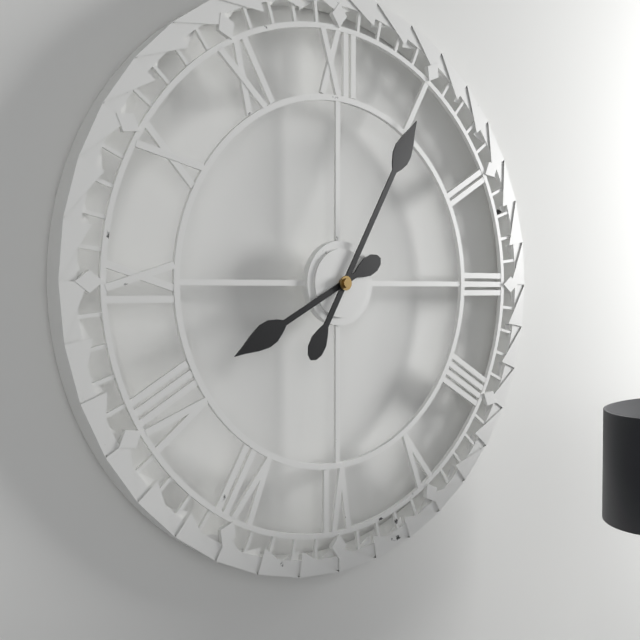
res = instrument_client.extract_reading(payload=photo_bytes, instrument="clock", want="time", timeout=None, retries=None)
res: 8:05
